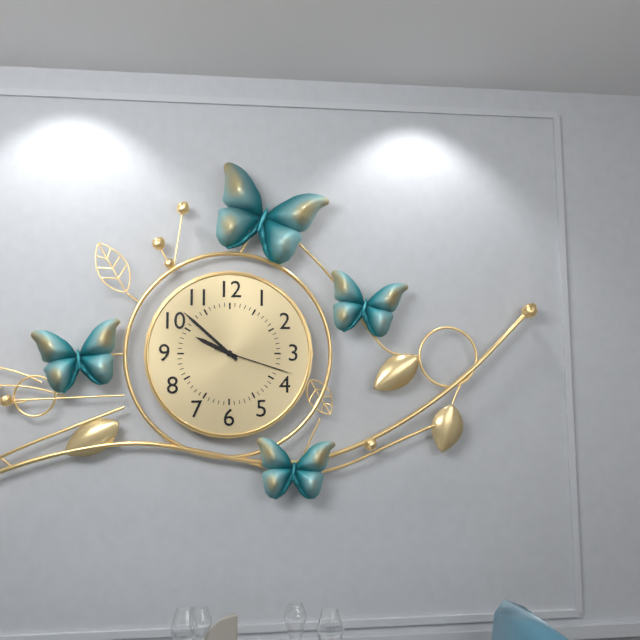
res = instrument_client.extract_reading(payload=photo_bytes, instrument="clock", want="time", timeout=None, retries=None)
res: 9:52:18
